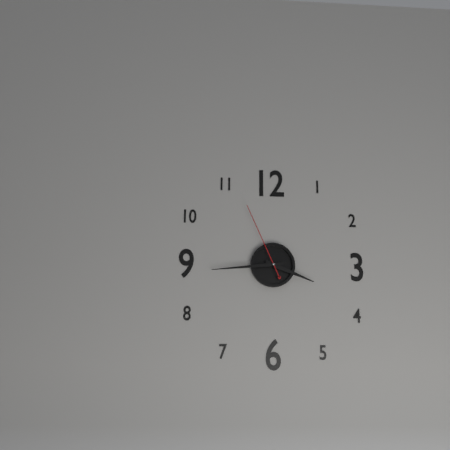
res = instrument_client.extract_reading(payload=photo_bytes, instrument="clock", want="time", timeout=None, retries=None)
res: 3:44:56
